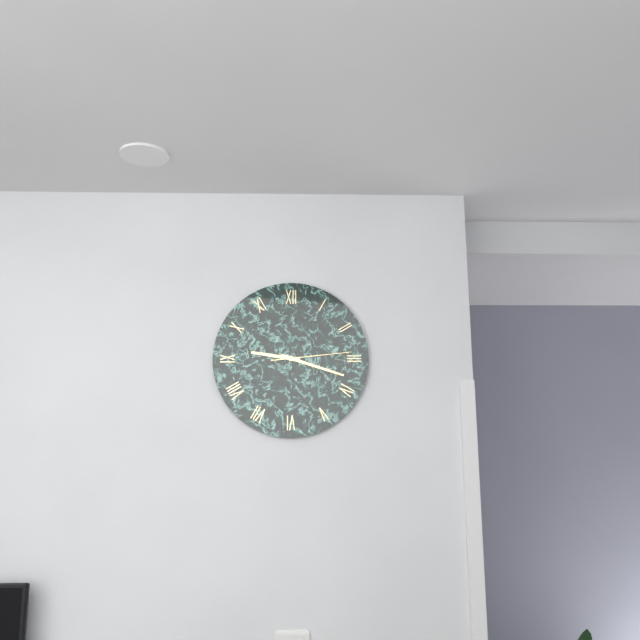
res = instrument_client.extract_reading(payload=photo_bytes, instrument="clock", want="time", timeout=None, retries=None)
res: 9:18:14
